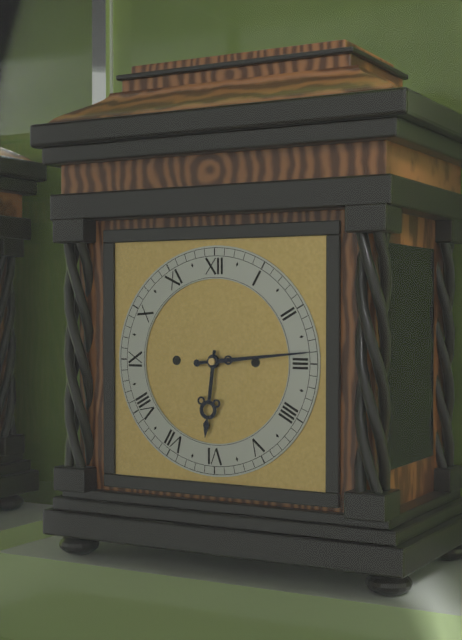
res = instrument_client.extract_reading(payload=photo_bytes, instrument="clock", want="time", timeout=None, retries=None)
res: 6:14
